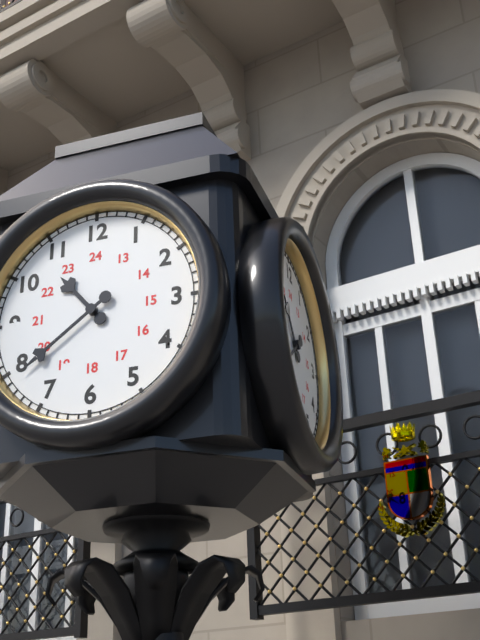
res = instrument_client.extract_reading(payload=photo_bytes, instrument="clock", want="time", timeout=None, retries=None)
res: 10:39
